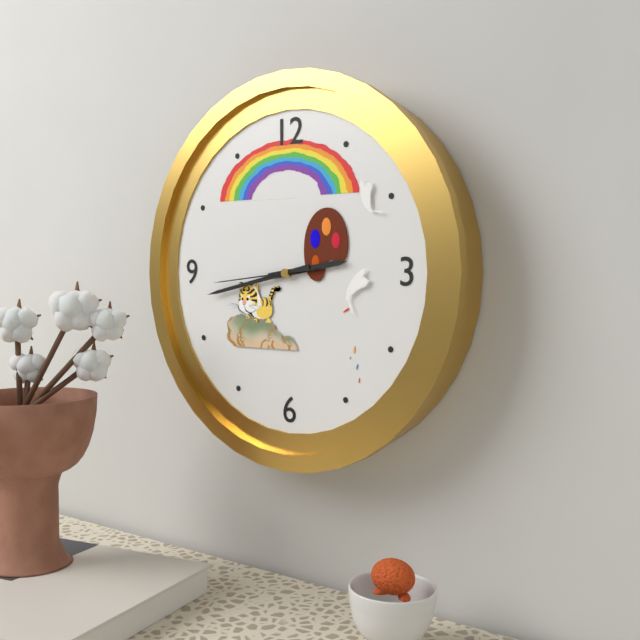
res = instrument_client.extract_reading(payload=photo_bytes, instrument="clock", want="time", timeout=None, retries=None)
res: 2:43:44
